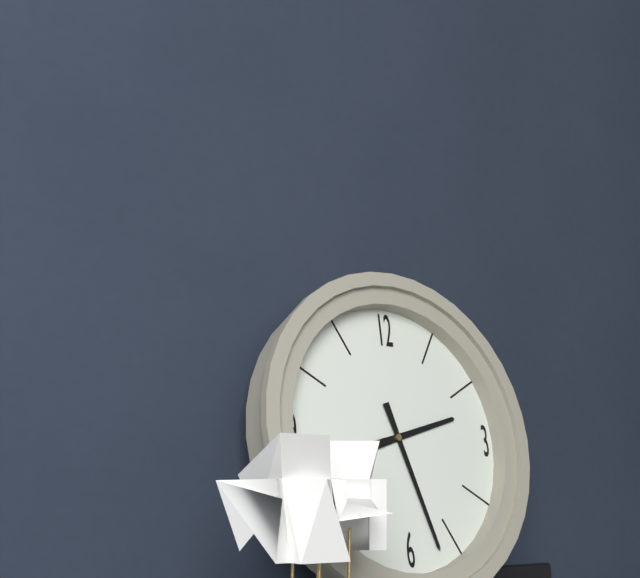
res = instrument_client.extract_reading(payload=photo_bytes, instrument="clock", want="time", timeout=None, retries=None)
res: 2:27
